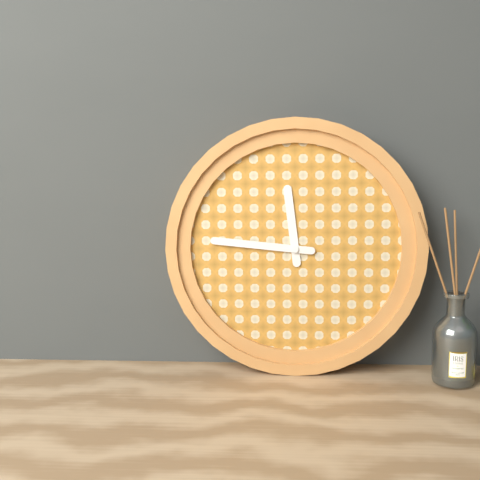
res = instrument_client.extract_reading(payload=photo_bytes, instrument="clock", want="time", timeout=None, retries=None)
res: 11:46
